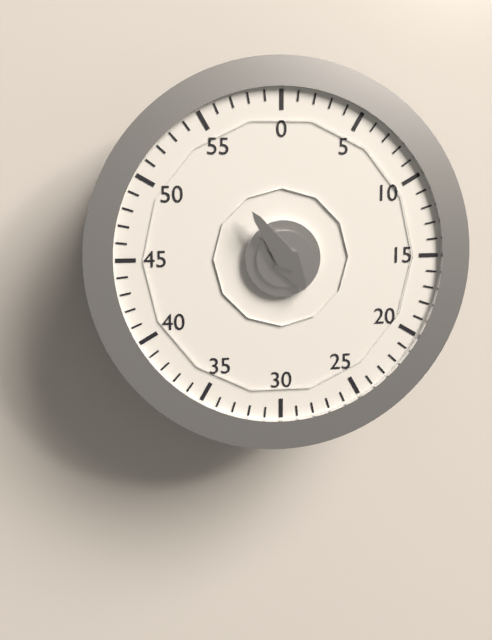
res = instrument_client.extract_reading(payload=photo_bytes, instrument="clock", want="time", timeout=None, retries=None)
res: 4:54
